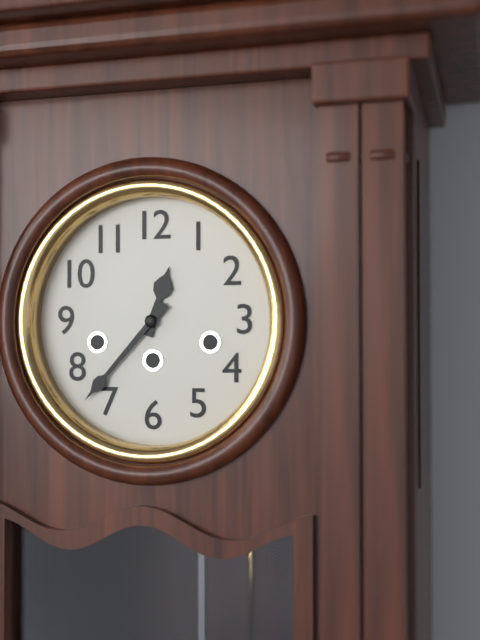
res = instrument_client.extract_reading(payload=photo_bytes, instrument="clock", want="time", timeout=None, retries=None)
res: 12:37
